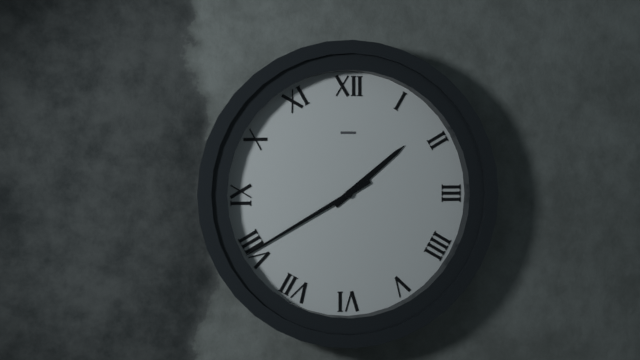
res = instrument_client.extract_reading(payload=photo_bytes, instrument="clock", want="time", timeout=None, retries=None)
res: 1:40
